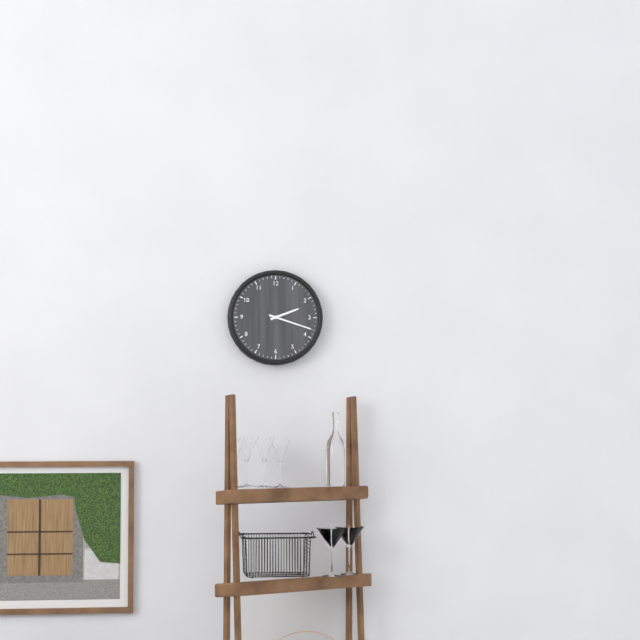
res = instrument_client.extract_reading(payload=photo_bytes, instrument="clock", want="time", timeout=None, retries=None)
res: 2:18
